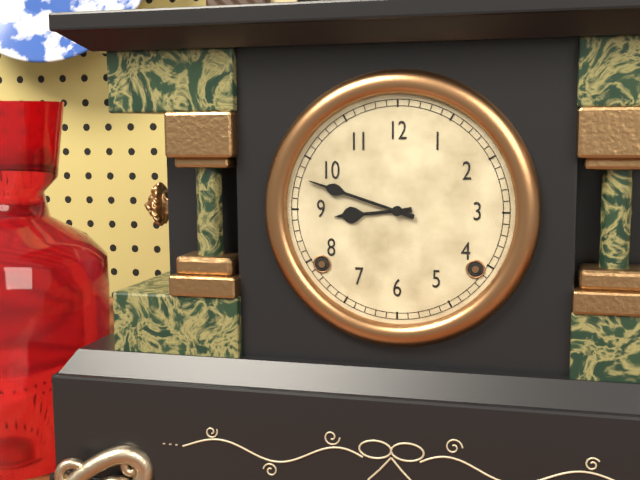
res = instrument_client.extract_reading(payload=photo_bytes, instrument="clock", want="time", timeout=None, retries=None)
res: 8:48
